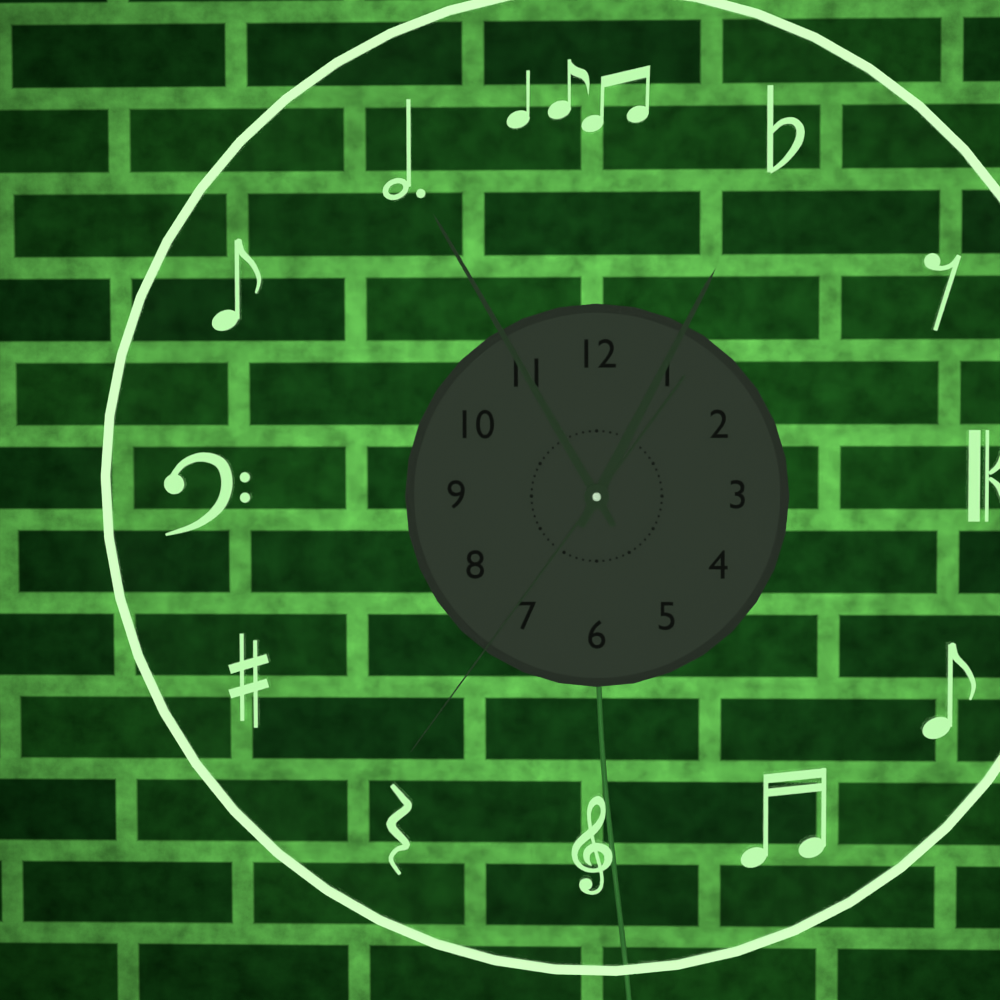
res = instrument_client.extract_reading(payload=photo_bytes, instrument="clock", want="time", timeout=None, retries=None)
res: 12:55:36
